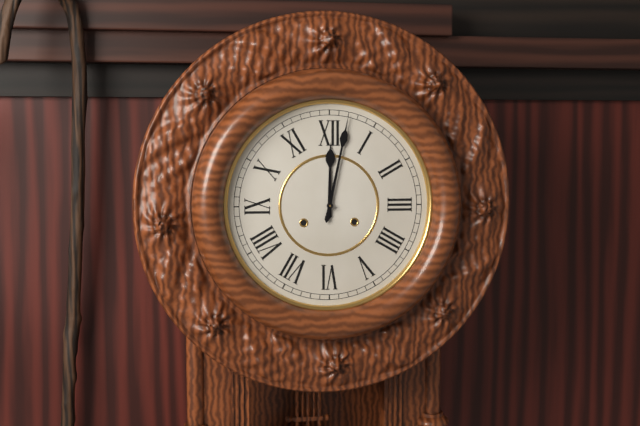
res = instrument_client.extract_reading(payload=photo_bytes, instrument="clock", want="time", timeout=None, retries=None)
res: 12:02
